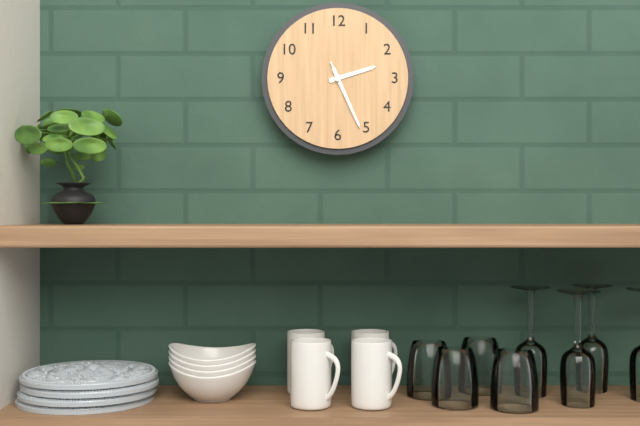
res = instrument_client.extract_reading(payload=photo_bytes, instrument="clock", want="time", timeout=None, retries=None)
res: 2:26:26
